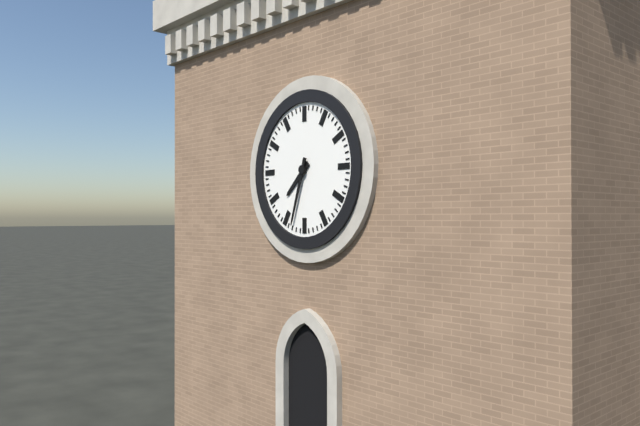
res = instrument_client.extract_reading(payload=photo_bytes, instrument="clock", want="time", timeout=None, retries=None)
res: 7:33
